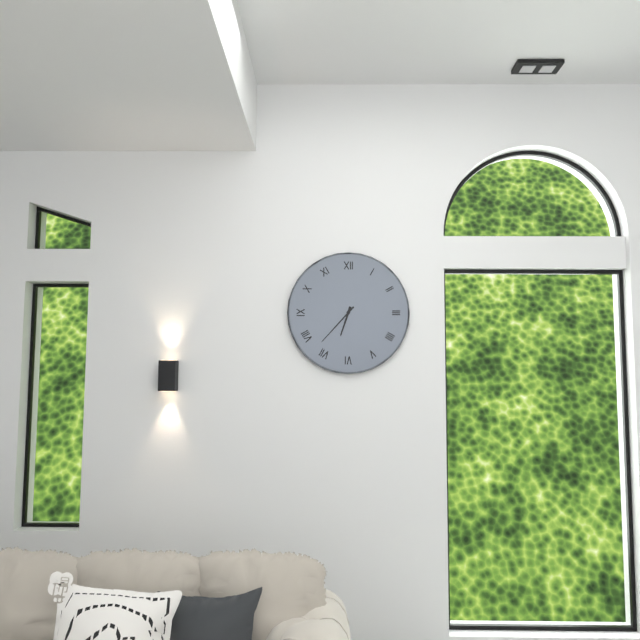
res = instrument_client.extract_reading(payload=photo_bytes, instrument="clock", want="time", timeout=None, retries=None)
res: 6:37
